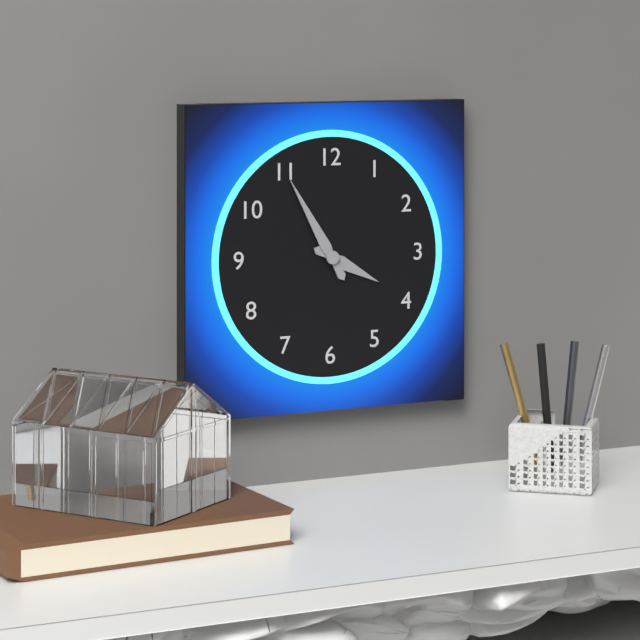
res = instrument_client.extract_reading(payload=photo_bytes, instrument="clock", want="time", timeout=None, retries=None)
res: 3:55
